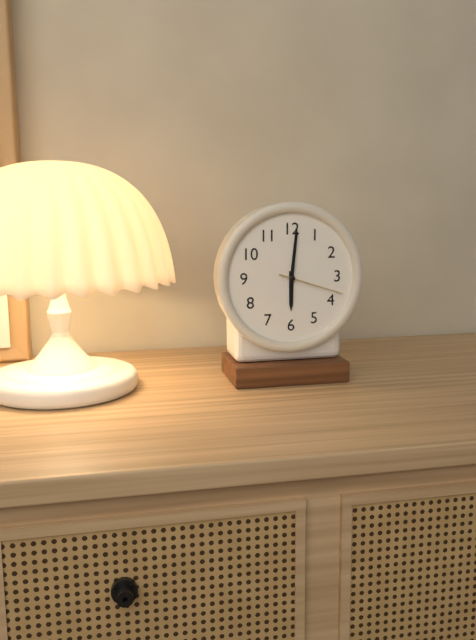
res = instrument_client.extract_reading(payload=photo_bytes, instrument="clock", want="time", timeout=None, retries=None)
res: 6:01:18
